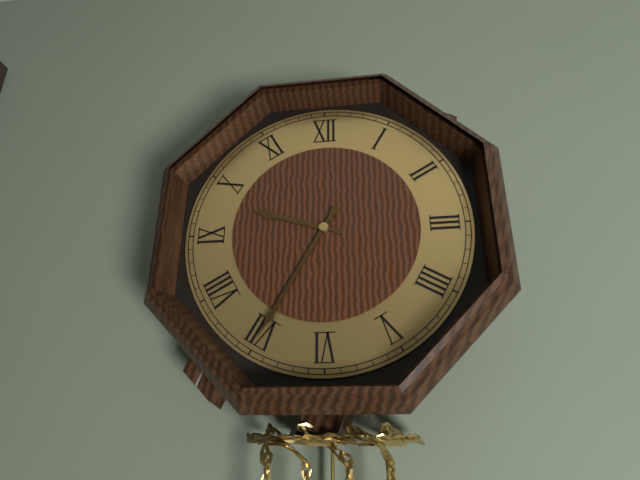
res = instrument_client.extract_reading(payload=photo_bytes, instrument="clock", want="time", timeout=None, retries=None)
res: 9:35
